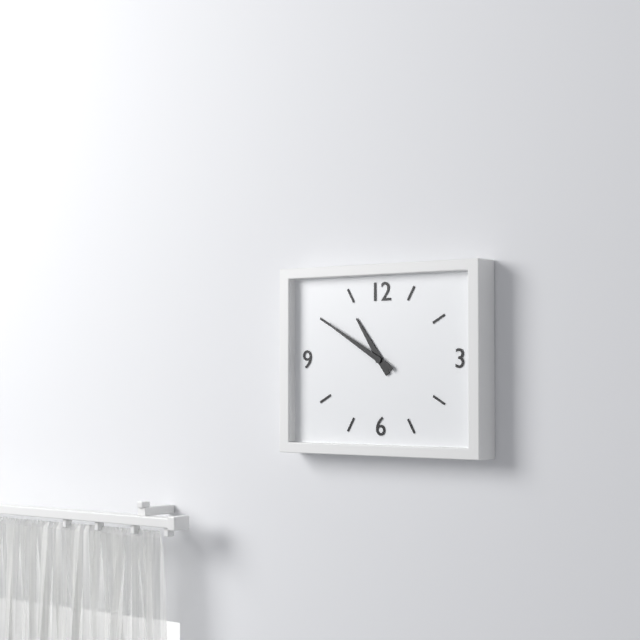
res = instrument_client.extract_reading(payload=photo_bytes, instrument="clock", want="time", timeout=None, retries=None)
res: 10:50
